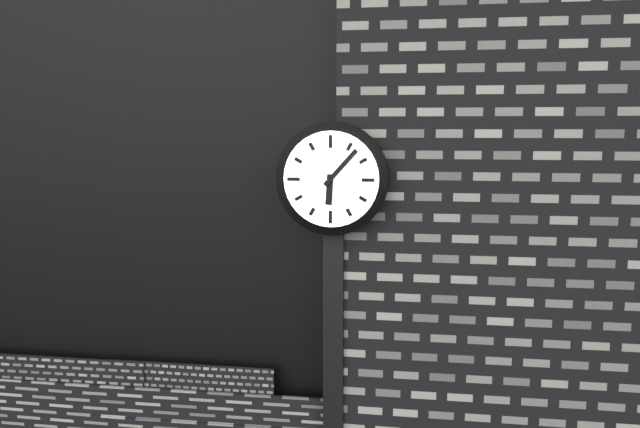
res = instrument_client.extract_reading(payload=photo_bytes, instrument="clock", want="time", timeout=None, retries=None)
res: 6:07
